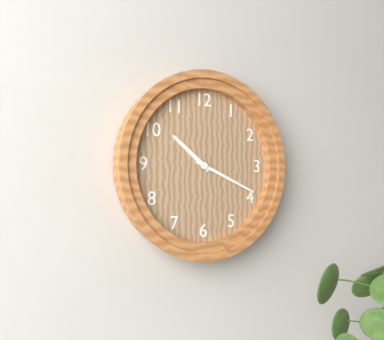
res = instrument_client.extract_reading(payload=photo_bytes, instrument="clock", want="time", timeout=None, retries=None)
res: 10:19
